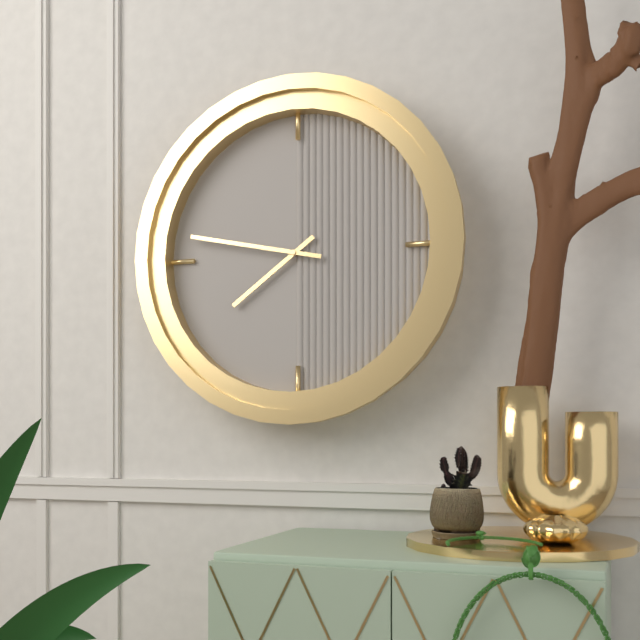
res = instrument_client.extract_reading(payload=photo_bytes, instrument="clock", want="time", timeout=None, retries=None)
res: 7:47
